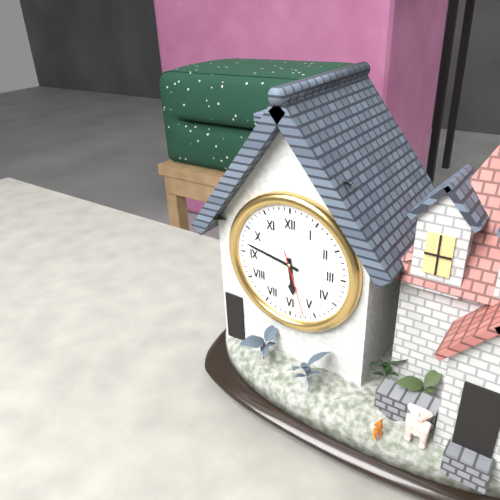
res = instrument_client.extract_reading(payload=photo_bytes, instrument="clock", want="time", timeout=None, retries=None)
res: 5:47:27
